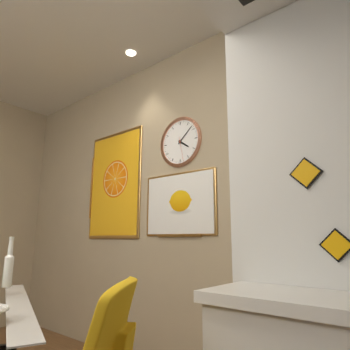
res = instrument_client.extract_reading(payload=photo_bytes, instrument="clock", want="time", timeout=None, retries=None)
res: 4:08
